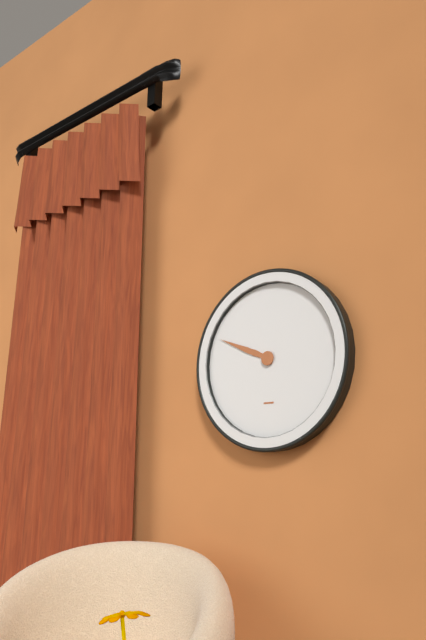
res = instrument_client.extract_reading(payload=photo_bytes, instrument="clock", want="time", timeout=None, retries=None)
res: 9:49
